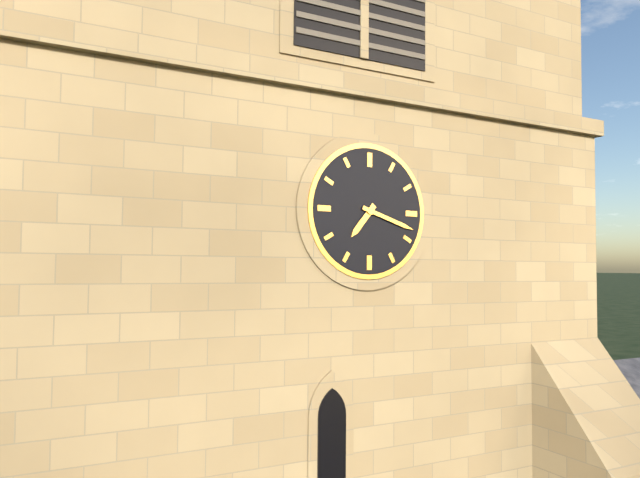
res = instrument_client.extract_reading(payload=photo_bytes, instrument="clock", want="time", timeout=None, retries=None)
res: 7:18
